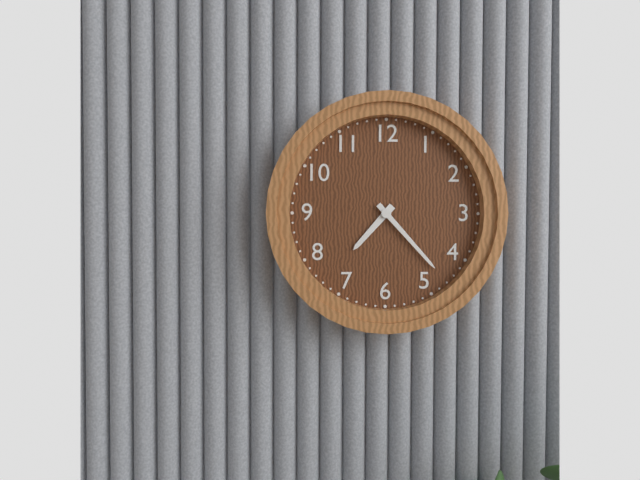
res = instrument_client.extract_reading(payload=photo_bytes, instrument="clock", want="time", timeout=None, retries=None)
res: 7:23
